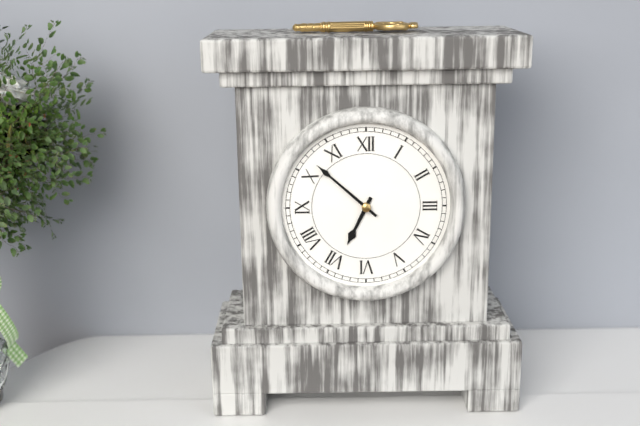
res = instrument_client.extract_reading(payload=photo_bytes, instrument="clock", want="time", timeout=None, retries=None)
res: 6:52
